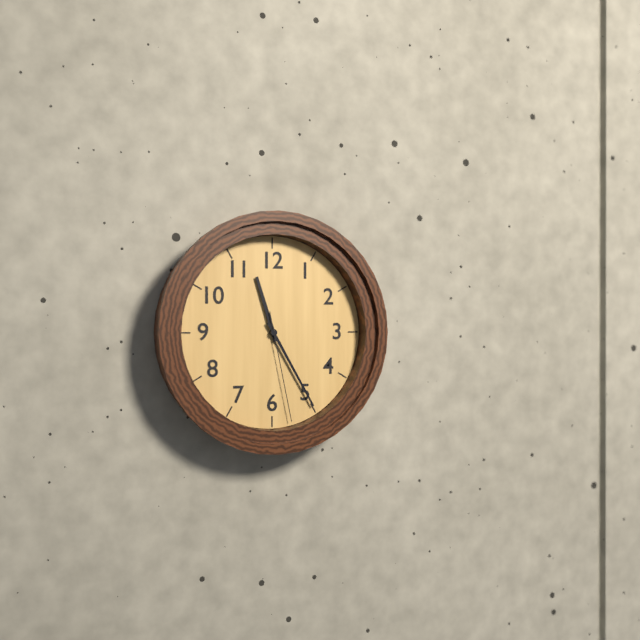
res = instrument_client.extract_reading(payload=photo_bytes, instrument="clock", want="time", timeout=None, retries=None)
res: 11:25:28
